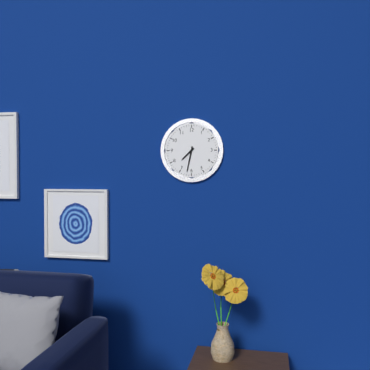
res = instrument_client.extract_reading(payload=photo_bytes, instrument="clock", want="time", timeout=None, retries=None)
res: 7:32
